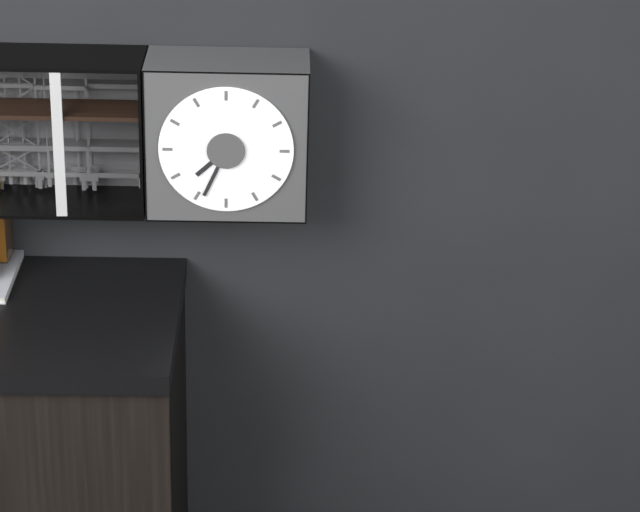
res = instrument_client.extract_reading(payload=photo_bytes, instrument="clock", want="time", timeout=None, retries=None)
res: 7:34
